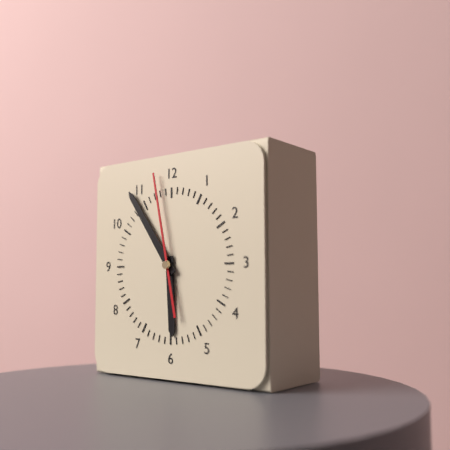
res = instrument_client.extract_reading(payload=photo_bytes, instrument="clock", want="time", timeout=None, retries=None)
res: 5:54:58
